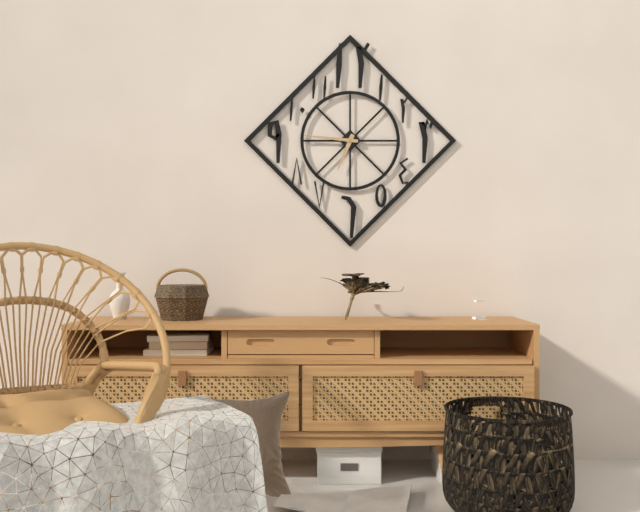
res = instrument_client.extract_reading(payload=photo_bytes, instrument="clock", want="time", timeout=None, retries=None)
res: 6:46
